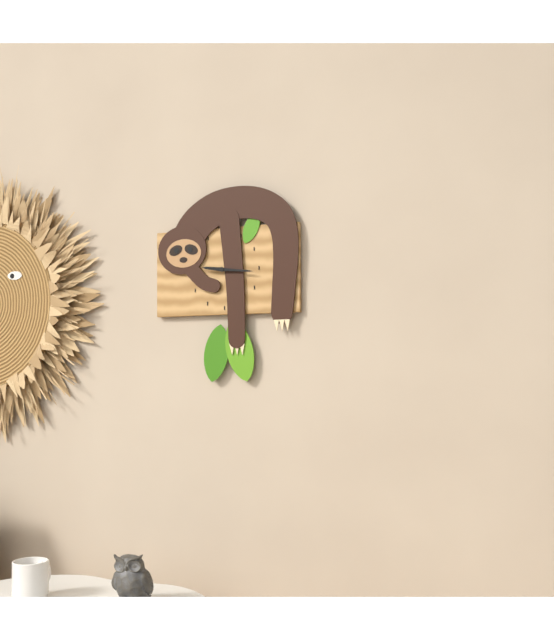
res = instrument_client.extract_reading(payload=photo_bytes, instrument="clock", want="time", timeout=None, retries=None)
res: 9:16
